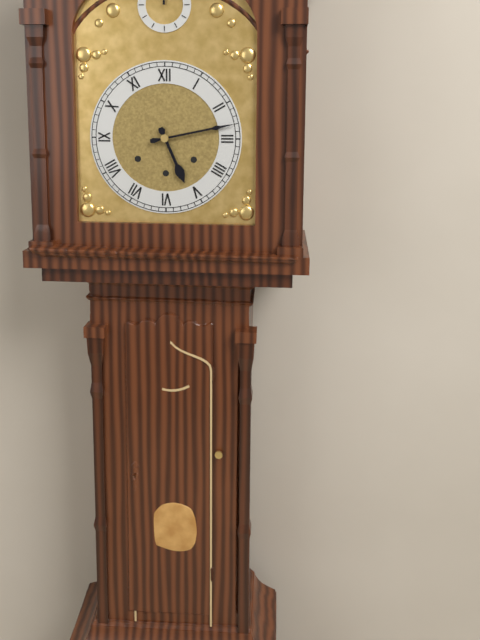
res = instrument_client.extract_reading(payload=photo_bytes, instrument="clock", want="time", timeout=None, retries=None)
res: 5:13
